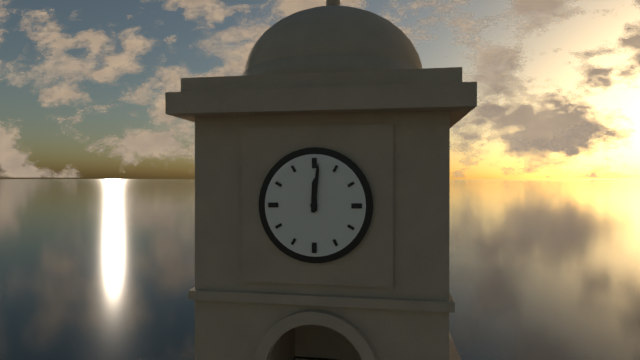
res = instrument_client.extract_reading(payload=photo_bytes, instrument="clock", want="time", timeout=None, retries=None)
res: 12:01
